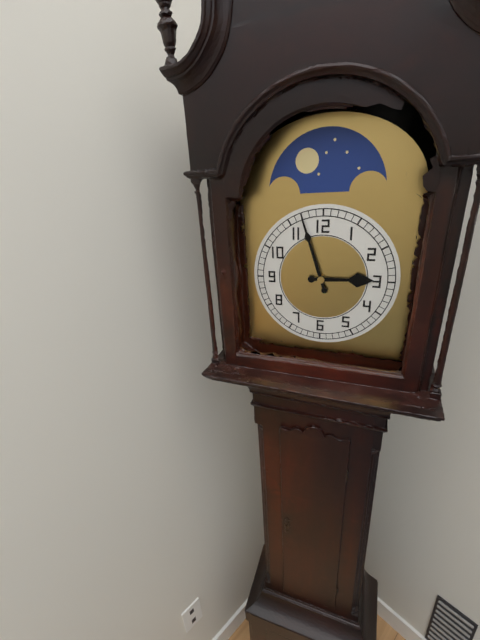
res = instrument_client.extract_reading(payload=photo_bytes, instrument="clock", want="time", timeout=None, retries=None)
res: 2:57
